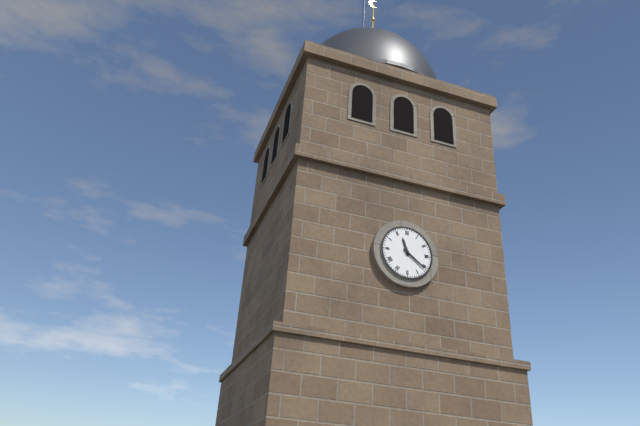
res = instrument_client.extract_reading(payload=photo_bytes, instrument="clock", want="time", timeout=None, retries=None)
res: 11:21
